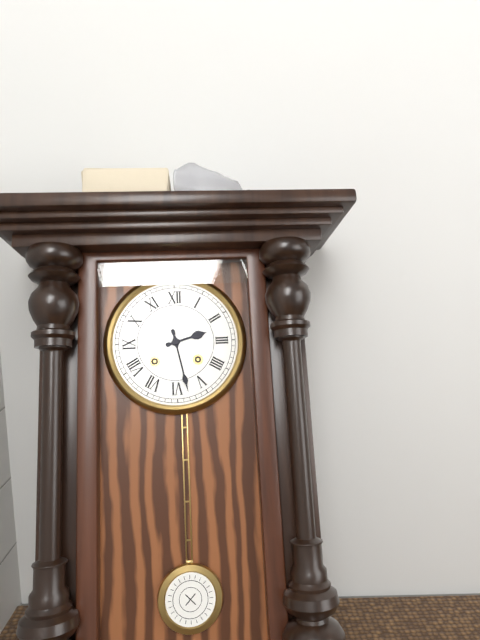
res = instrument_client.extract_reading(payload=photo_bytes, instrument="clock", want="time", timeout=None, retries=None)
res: 2:28
